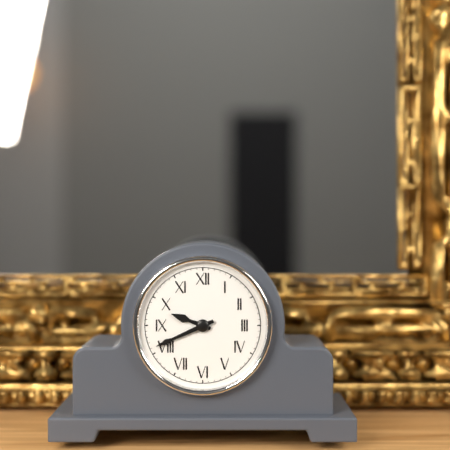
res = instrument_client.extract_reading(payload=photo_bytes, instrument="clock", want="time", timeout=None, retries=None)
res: 9:41
